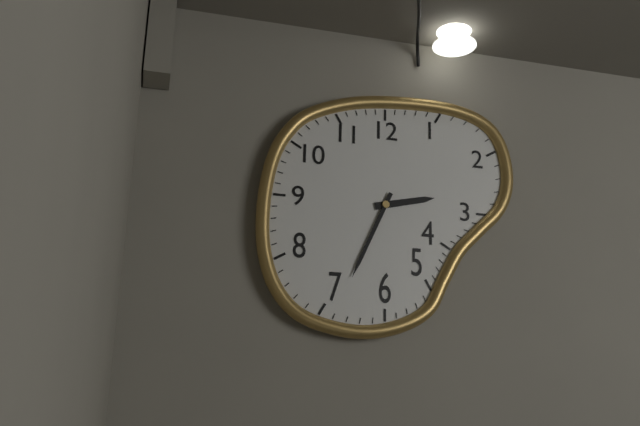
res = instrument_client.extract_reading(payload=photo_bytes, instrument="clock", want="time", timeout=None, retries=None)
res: 2:34
